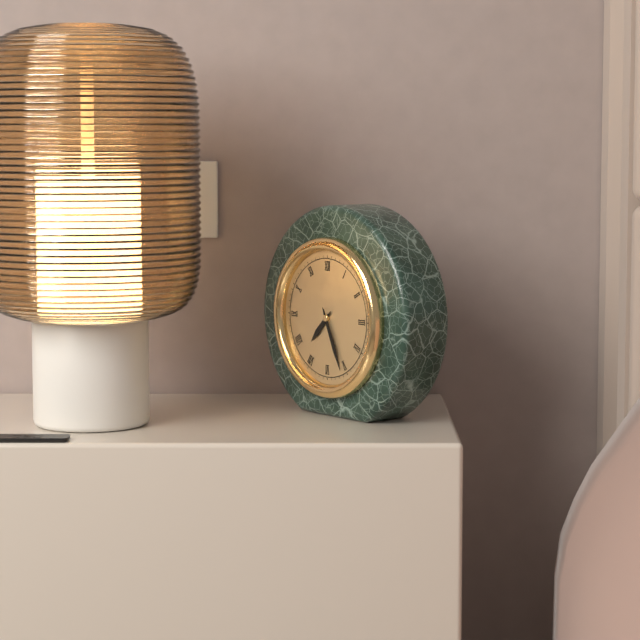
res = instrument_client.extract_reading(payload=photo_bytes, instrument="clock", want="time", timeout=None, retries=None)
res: 7:26
